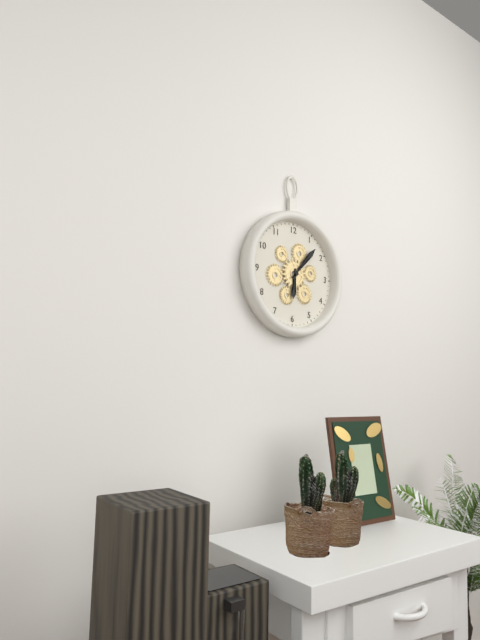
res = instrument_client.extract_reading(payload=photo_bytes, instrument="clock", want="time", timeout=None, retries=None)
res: 6:07
